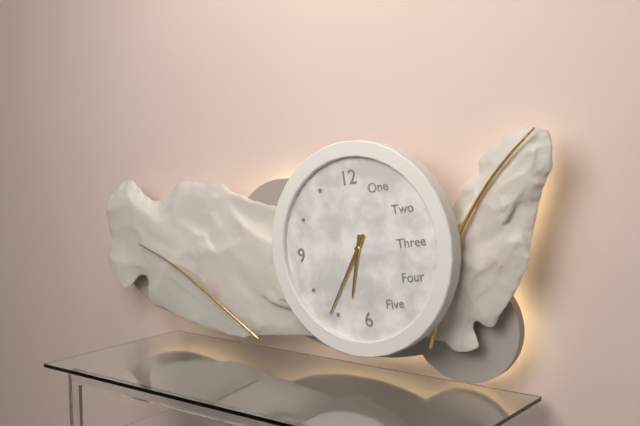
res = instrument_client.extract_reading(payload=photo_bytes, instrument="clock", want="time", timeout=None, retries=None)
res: 6:36
